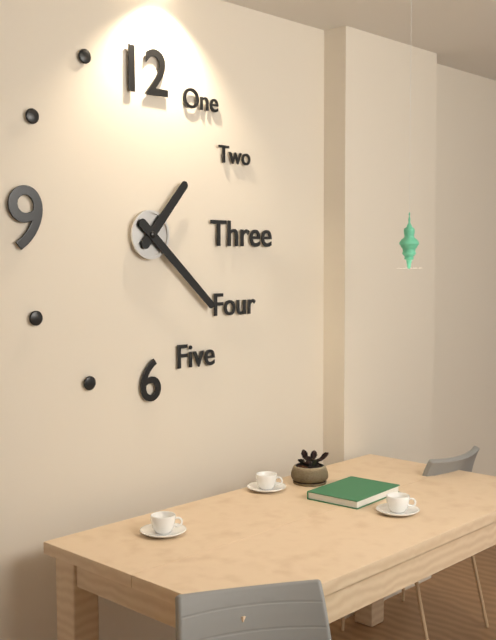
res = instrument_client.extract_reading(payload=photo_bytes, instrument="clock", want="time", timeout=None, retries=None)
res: 1:22
